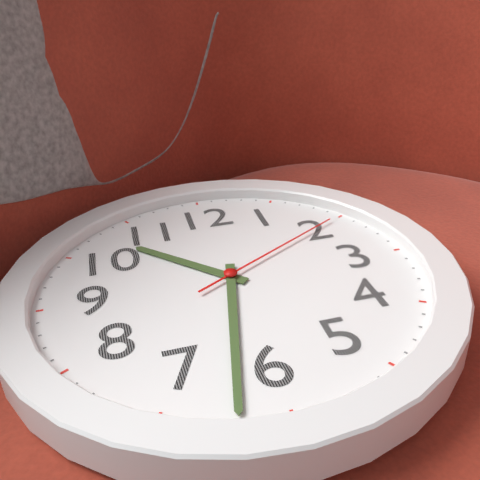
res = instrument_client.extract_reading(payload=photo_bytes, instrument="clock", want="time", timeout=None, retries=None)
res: 10:32:10
